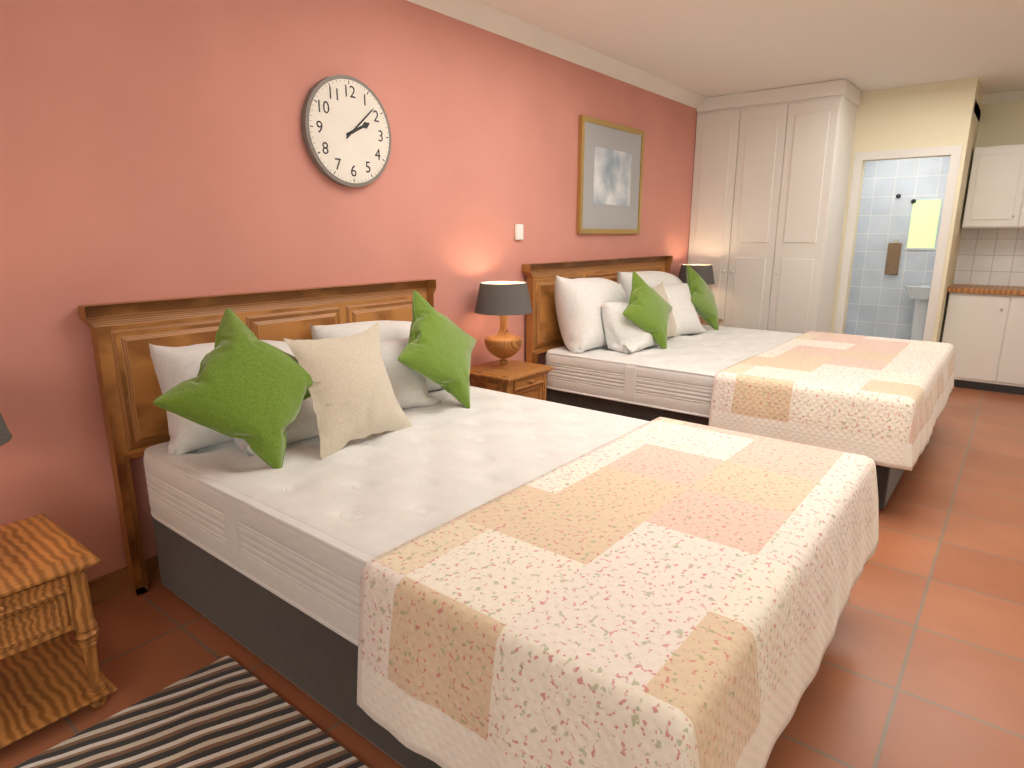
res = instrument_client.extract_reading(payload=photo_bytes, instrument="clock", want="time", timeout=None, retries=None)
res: 2:08
